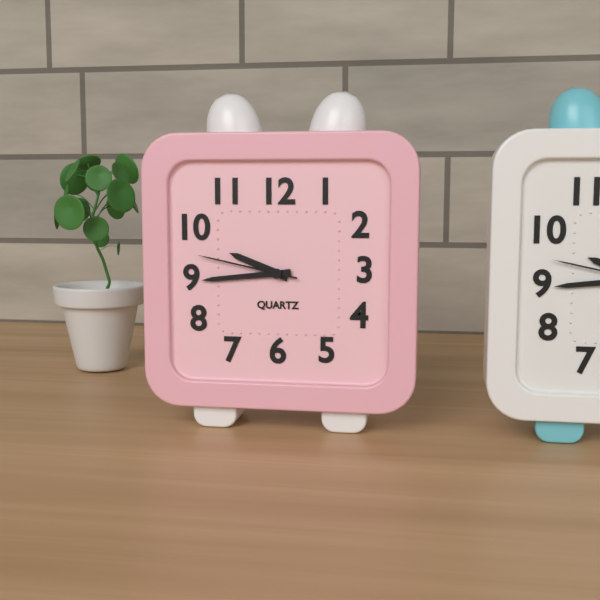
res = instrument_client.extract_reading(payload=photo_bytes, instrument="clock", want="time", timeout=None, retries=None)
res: 9:44:47
